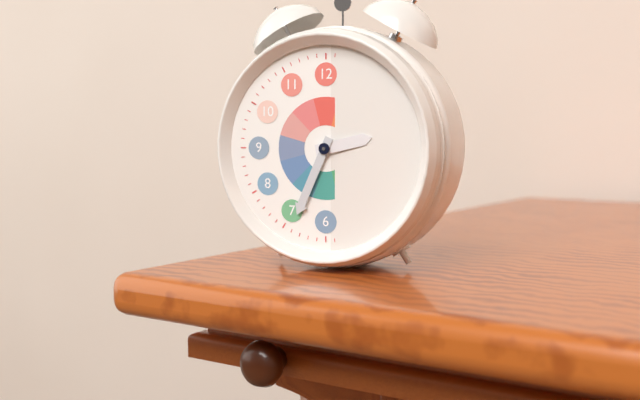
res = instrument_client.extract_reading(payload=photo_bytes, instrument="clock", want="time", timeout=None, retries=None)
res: 2:34
